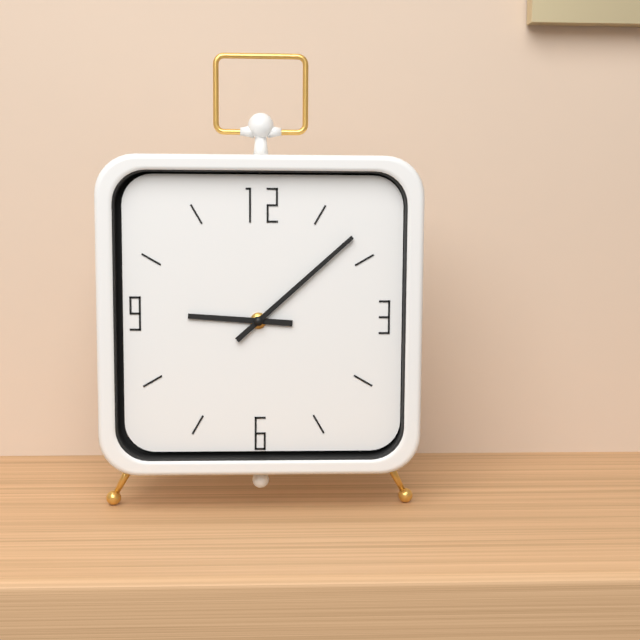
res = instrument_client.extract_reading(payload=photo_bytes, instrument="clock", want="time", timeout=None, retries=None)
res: 9:08
